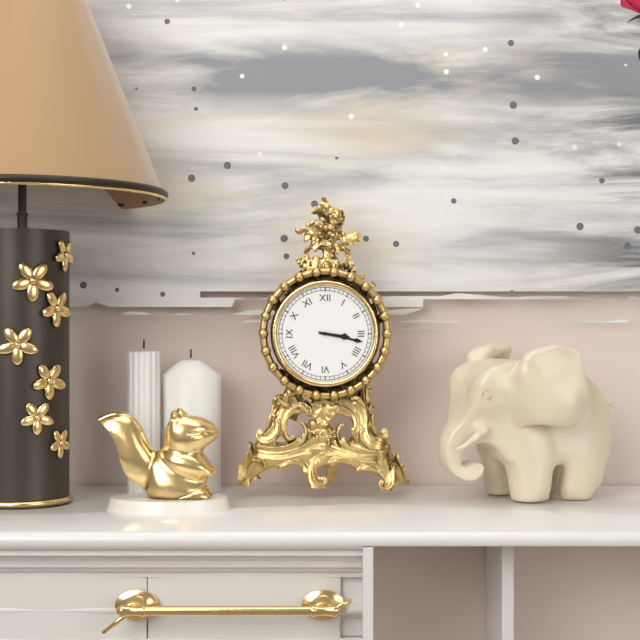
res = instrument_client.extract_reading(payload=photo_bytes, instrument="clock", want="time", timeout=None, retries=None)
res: 3:17
